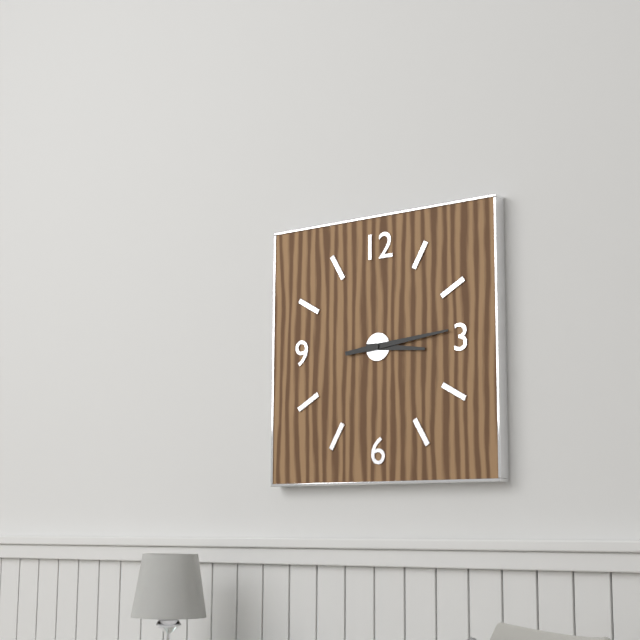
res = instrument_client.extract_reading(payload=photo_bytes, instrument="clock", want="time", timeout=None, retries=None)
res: 3:14
